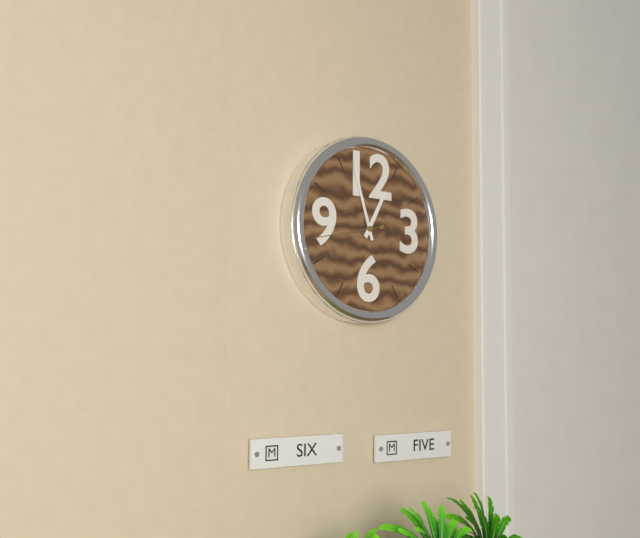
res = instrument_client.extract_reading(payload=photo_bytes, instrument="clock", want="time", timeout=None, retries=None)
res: 12:57:43
